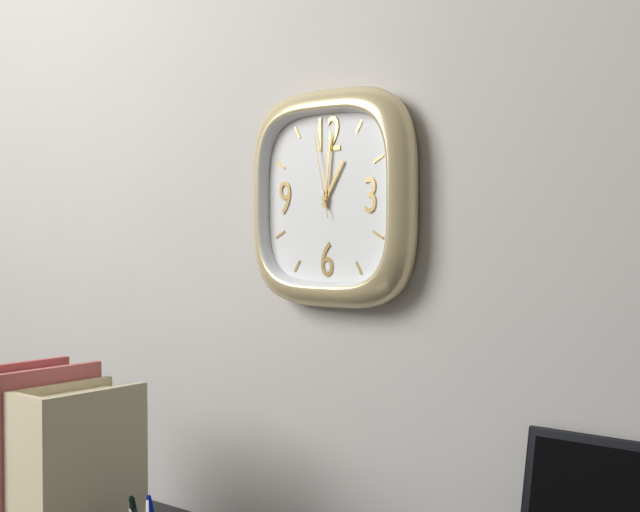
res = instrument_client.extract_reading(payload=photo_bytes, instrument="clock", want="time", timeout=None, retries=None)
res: 1:01:58
